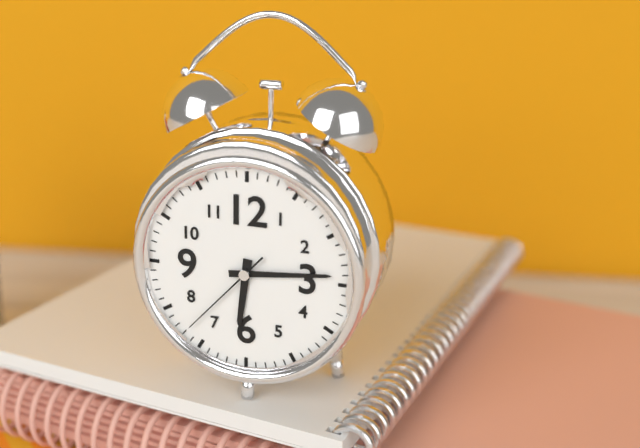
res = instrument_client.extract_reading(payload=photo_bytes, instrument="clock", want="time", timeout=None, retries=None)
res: 6:14:37
